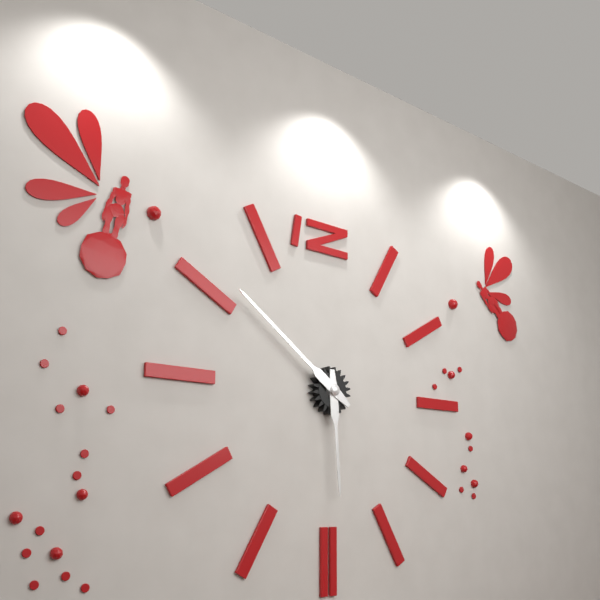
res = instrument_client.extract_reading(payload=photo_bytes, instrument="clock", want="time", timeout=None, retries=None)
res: 5:51
